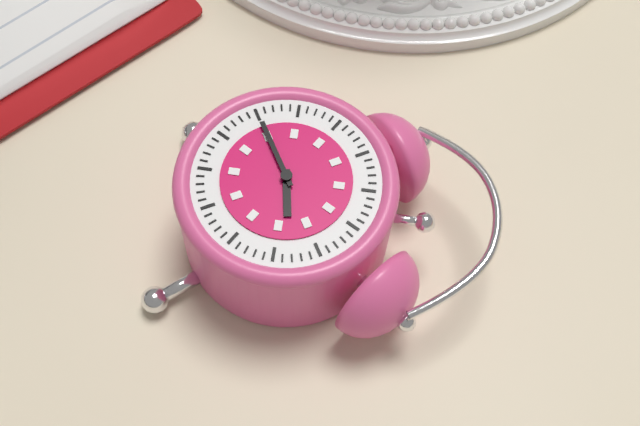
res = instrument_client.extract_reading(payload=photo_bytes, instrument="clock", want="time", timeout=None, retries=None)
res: 2:40
